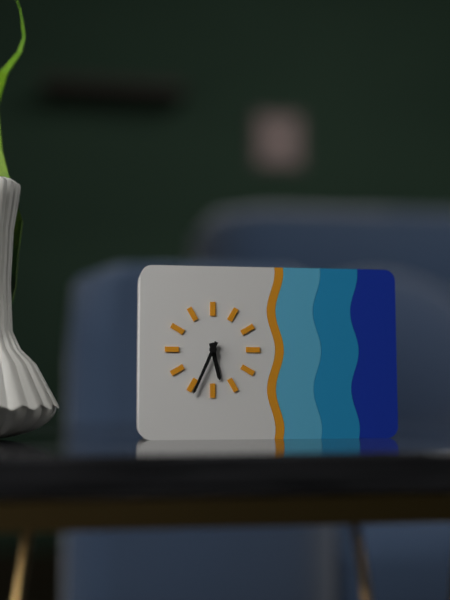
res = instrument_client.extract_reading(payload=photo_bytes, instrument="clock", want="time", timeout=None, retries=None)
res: 5:34
